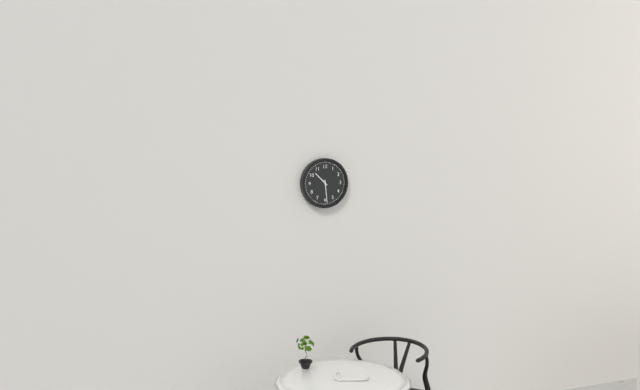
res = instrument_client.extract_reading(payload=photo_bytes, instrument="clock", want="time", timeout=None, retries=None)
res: 10:29
